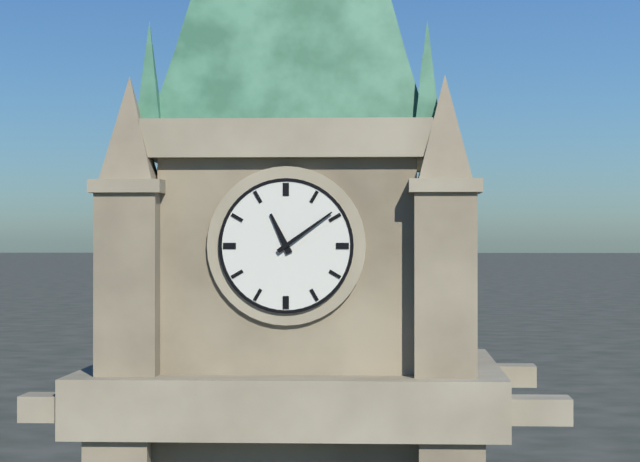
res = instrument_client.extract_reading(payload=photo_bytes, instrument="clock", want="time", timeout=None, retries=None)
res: 11:09
